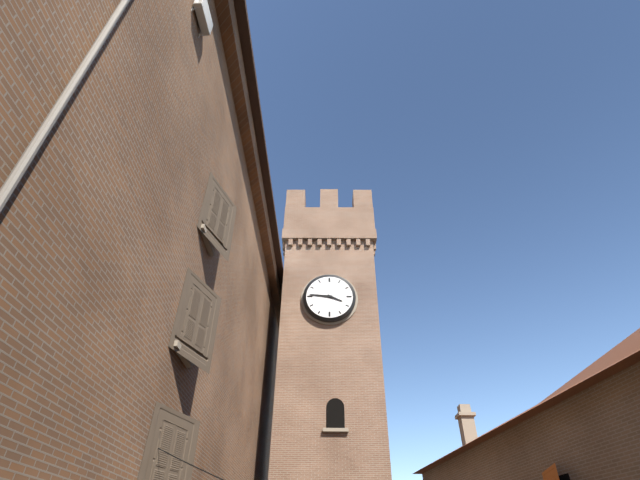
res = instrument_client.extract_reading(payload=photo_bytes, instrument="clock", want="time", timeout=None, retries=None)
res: 3:46
